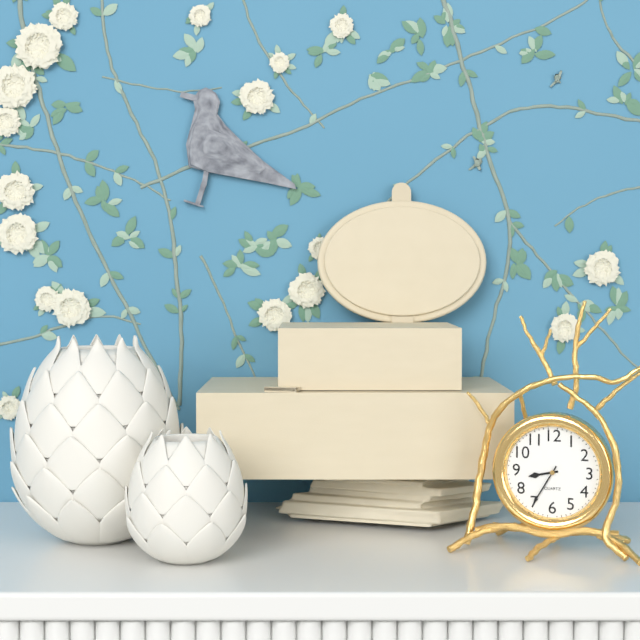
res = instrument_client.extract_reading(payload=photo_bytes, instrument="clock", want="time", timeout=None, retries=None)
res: 8:35
